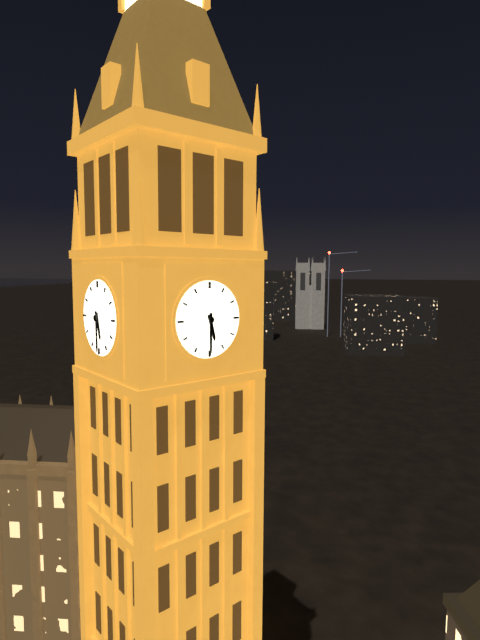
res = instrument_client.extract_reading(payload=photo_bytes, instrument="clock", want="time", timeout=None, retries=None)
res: 5:30
